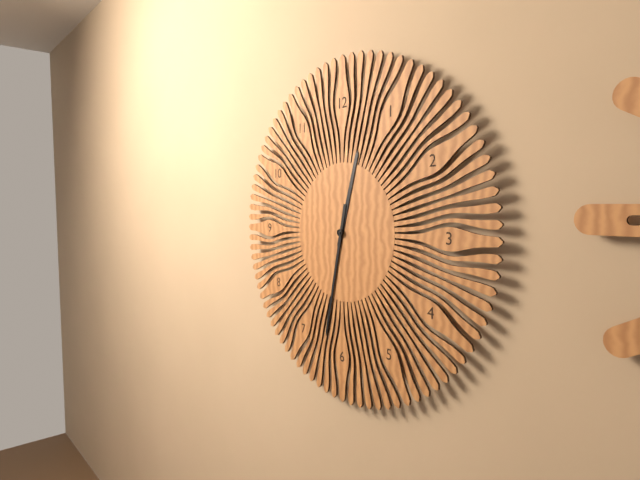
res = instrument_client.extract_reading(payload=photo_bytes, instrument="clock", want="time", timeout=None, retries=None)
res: 12:32
